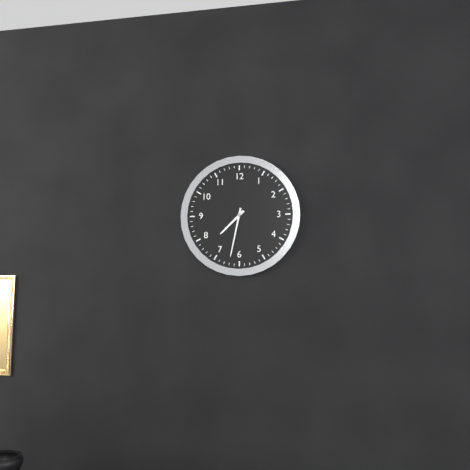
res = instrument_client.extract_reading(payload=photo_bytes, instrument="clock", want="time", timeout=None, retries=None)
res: 7:32
